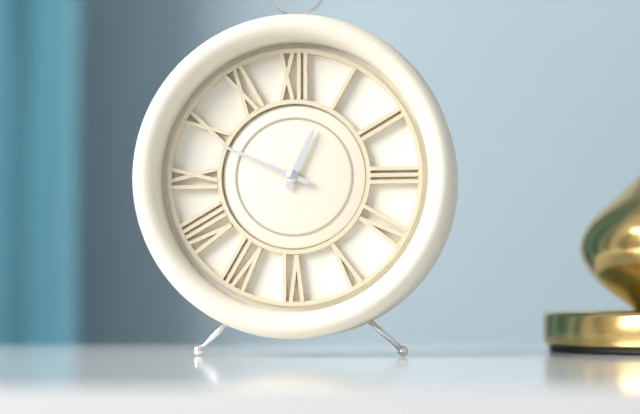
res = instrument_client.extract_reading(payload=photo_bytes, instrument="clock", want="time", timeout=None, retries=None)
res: 12:49
